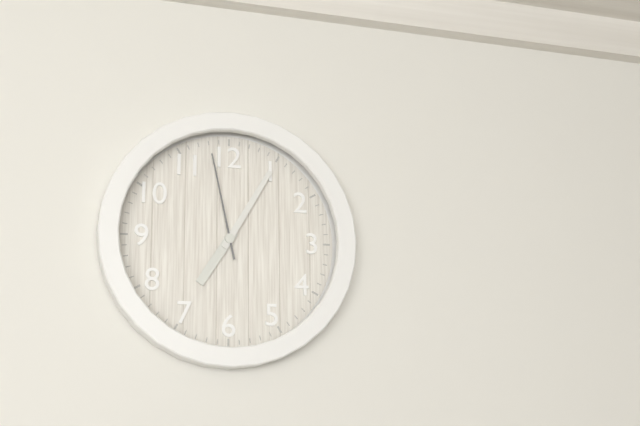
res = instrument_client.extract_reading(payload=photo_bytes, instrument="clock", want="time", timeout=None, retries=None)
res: 7:05:58
